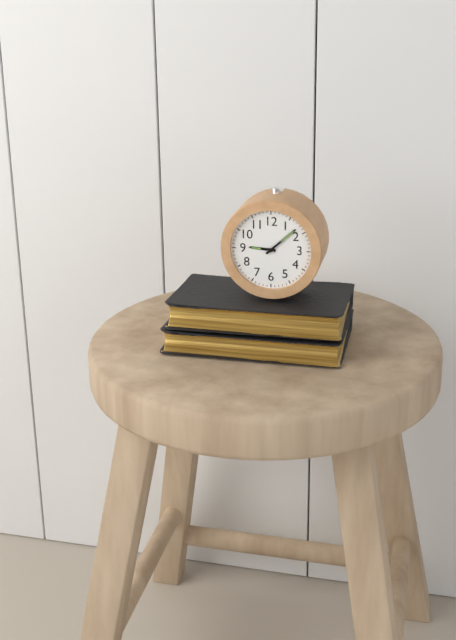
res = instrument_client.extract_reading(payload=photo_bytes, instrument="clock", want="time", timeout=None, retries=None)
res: 9:08
